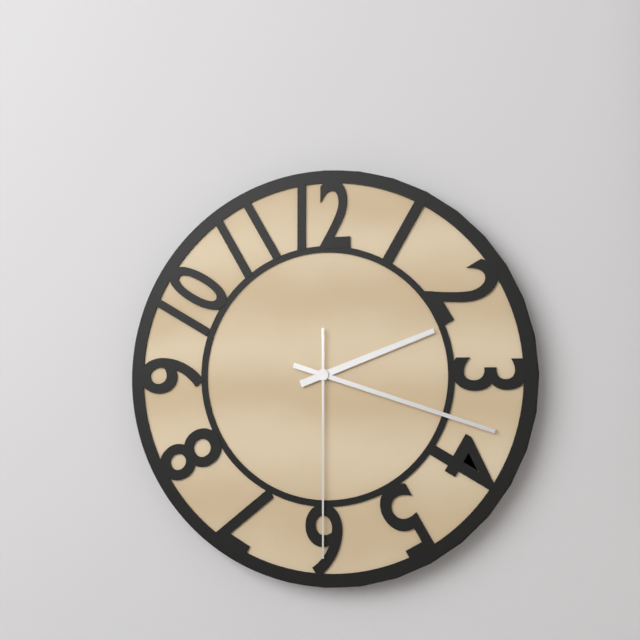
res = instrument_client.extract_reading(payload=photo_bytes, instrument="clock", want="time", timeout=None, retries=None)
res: 2:18:30
